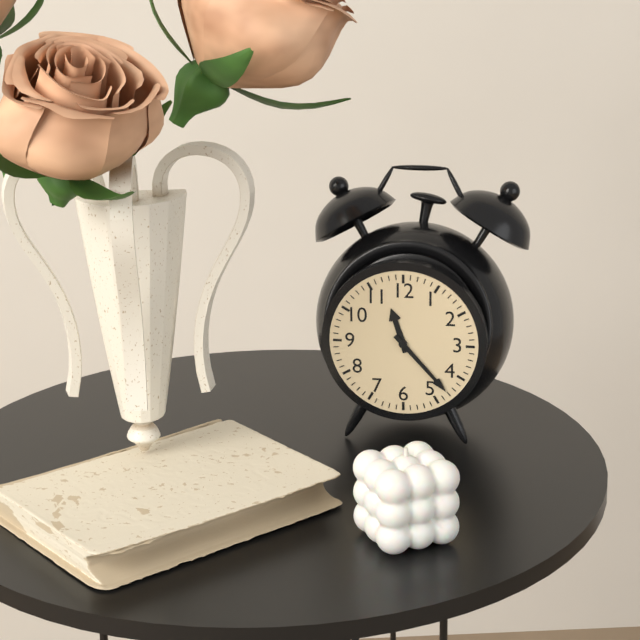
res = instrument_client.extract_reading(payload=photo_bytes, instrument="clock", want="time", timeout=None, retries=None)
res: 11:23
